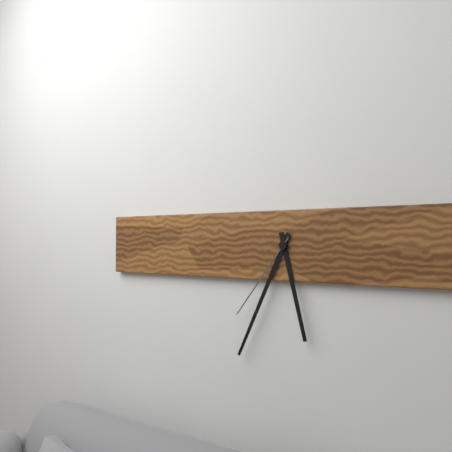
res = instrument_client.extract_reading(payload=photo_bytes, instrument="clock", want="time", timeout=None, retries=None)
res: 5:34:36
